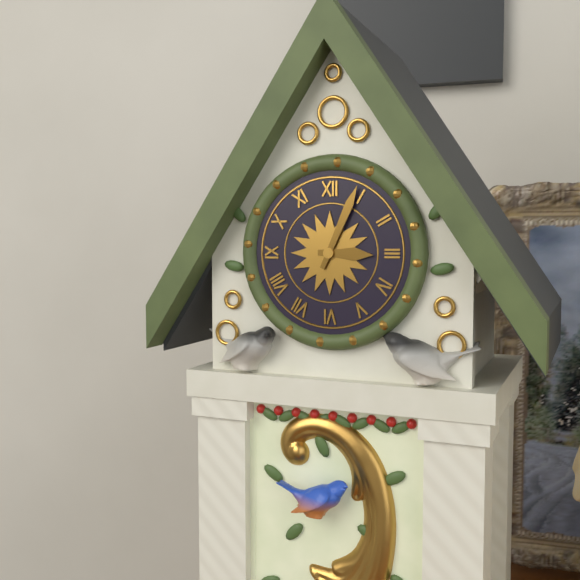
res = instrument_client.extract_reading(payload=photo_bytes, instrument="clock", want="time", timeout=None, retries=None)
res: 3:04
